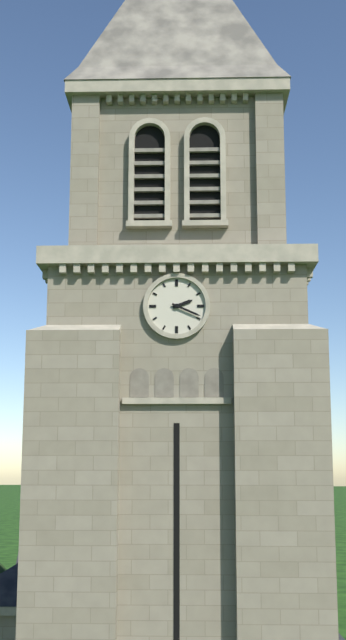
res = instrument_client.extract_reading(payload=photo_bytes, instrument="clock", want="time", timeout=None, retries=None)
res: 2:19
